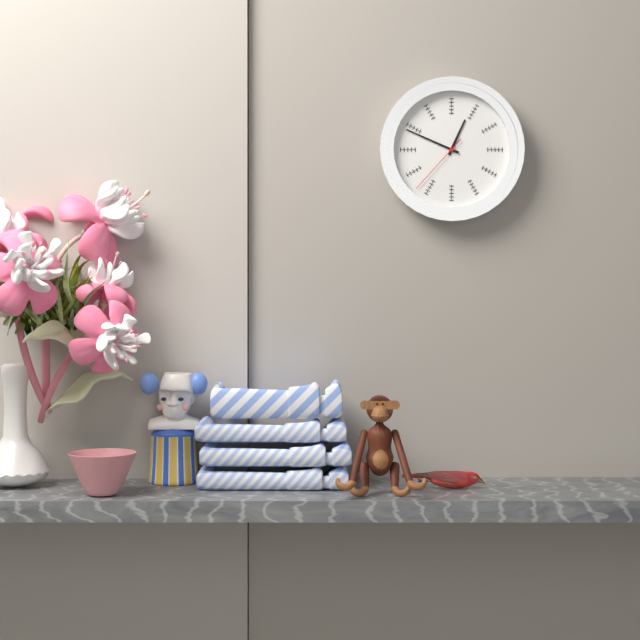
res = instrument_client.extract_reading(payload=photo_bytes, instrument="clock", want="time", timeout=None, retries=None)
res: 12:49:37
